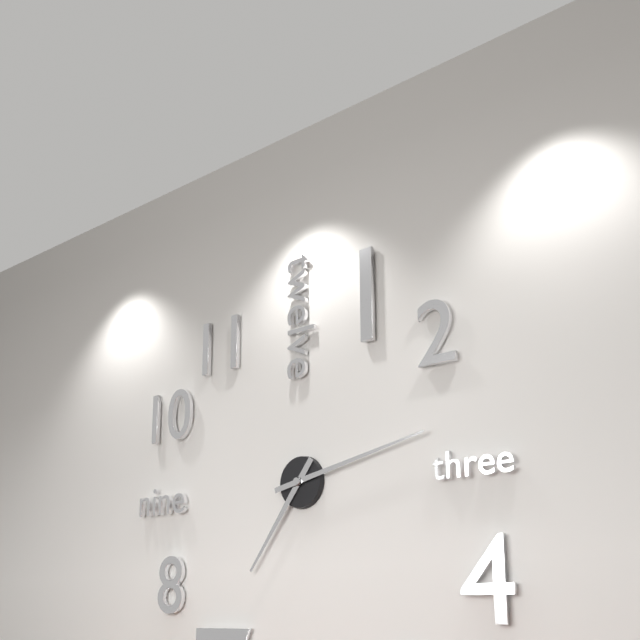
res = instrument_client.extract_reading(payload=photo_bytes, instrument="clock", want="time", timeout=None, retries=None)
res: 7:13
